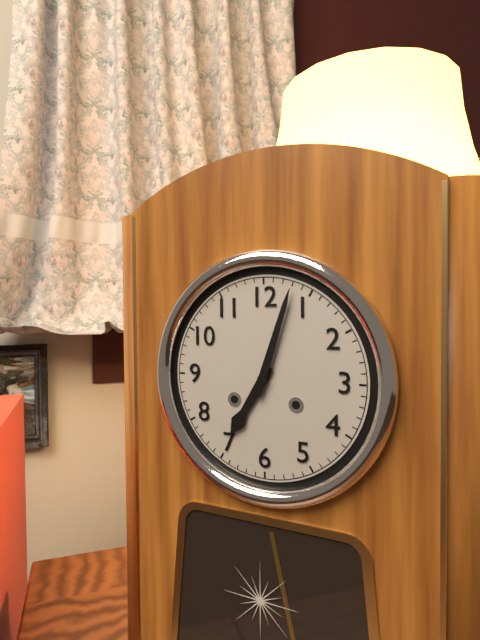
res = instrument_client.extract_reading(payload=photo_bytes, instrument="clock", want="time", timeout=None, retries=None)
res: 7:03
